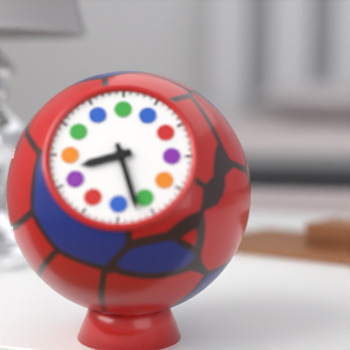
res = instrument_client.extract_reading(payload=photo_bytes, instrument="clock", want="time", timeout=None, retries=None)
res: 8:27
